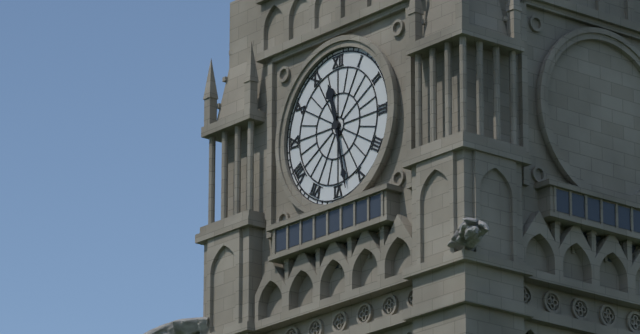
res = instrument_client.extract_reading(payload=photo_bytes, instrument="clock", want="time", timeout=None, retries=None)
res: 11:28
